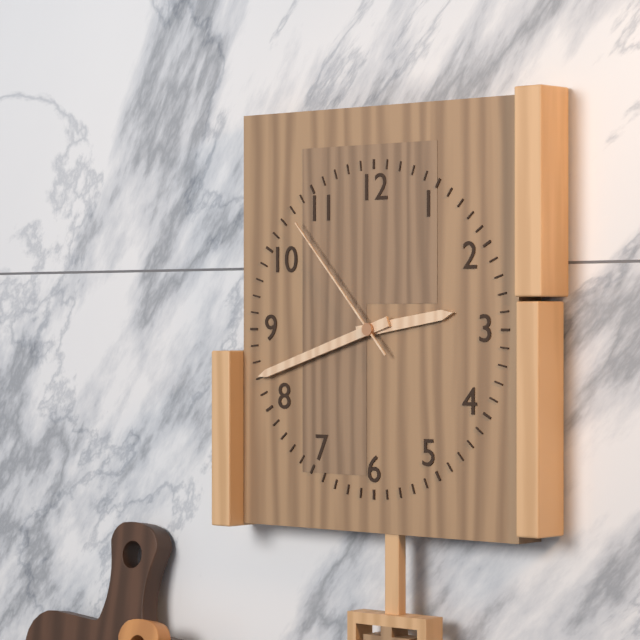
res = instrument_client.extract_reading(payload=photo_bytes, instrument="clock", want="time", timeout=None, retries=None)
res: 2:42:53
